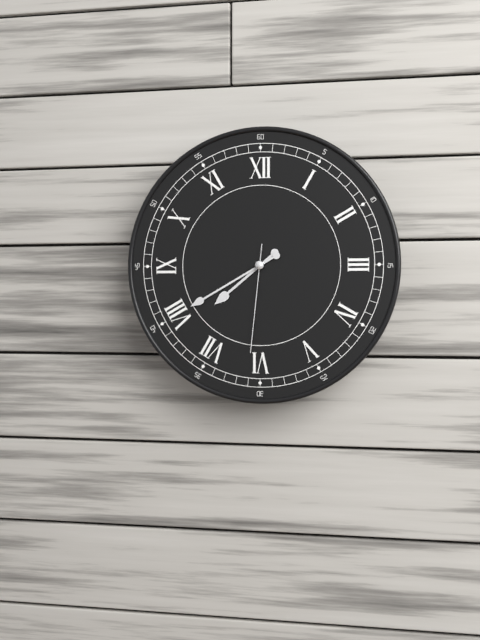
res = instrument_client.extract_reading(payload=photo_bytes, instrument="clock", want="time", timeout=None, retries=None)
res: 7:40:31
